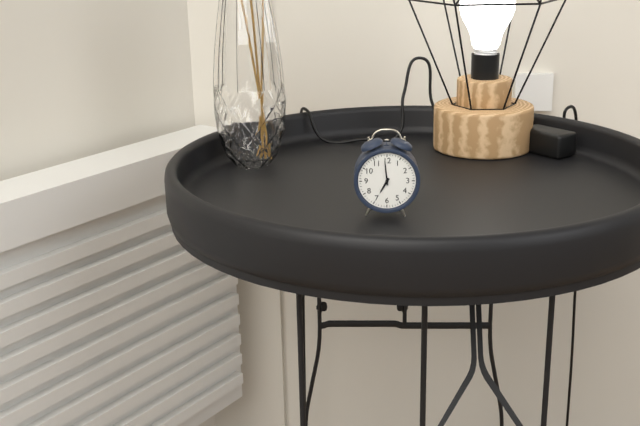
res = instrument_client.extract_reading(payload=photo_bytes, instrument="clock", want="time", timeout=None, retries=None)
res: 6:59
